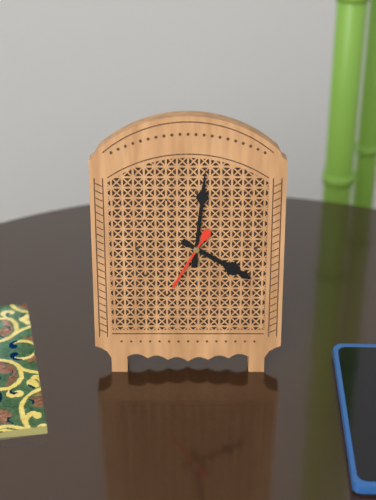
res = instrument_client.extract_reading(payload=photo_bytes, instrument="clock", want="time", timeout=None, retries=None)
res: 4:01:35
